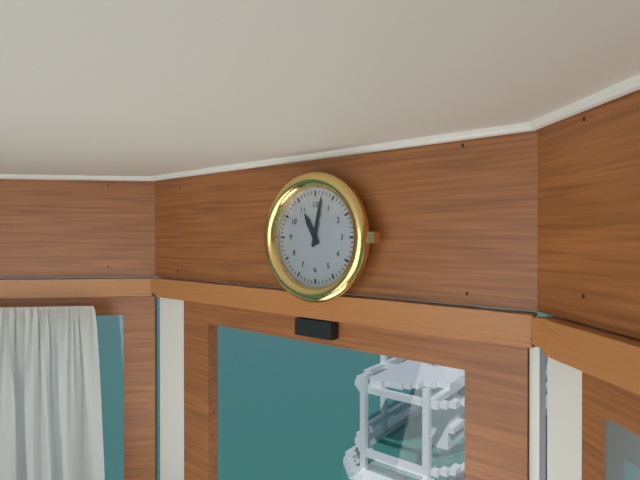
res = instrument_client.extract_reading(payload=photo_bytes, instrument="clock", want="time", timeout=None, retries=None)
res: 11:02
